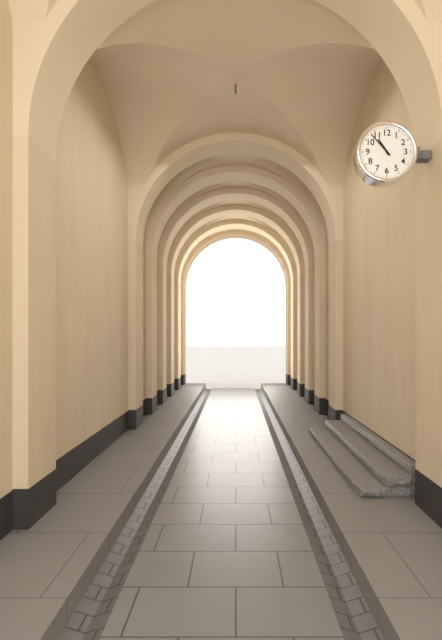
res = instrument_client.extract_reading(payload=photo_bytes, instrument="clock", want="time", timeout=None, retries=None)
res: 10:53
